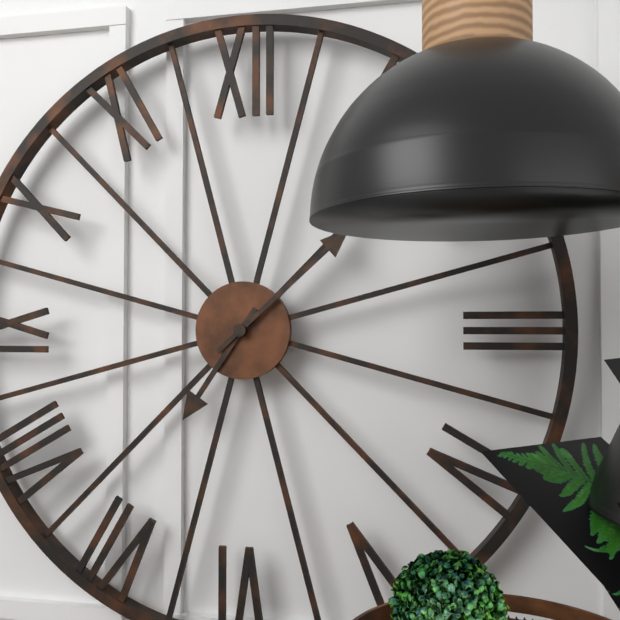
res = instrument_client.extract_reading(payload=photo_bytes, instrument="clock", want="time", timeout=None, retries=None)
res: 7:08
